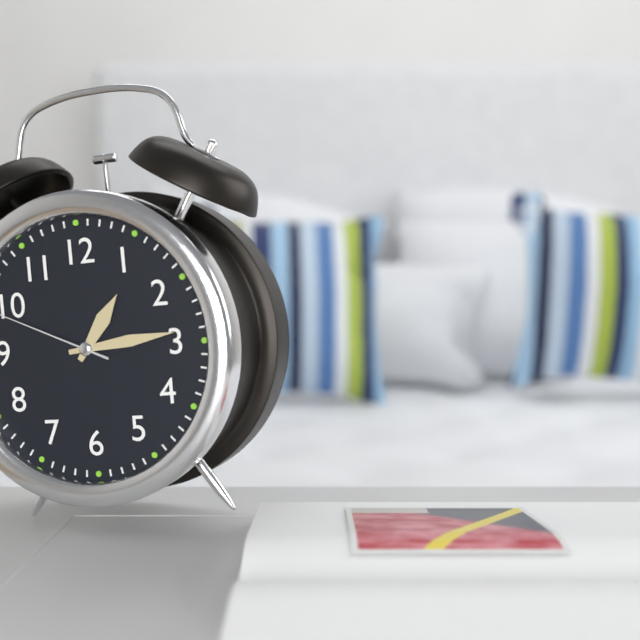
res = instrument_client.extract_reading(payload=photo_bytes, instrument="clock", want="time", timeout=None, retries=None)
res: 1:14
